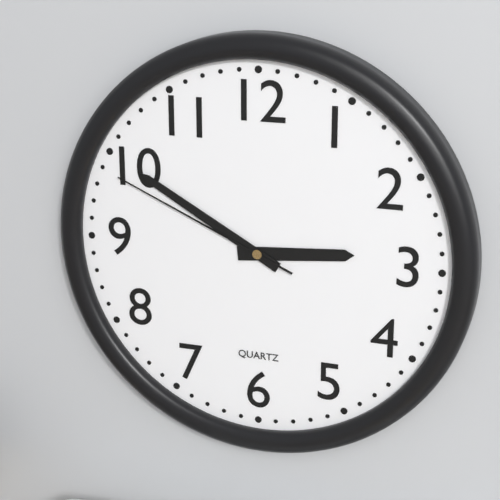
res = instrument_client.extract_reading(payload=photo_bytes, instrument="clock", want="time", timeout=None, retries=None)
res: 2:50:49
